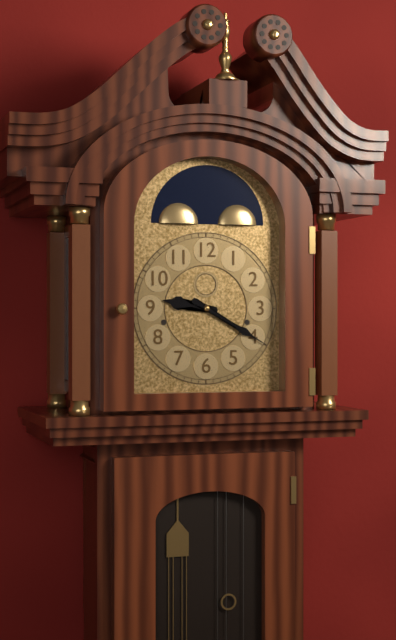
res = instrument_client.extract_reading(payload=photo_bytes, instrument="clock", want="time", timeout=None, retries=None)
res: 9:20
